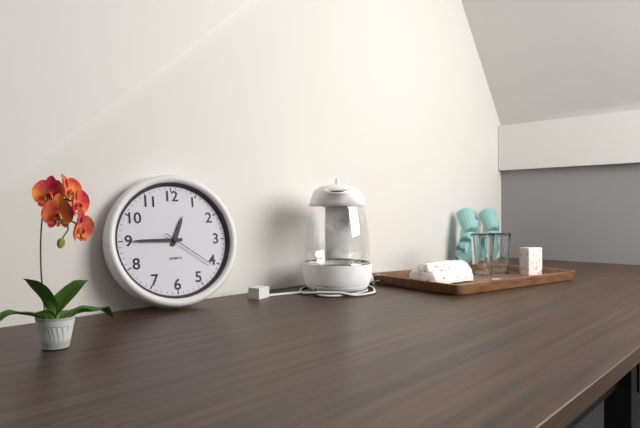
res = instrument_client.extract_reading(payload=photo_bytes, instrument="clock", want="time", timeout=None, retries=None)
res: 12:45:21
